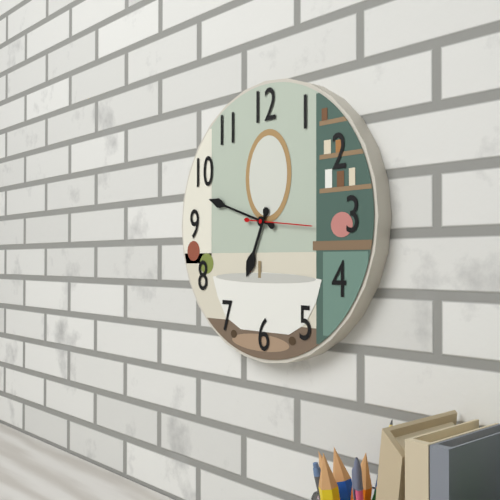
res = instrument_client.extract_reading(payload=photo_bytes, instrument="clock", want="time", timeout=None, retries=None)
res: 6:48:16
